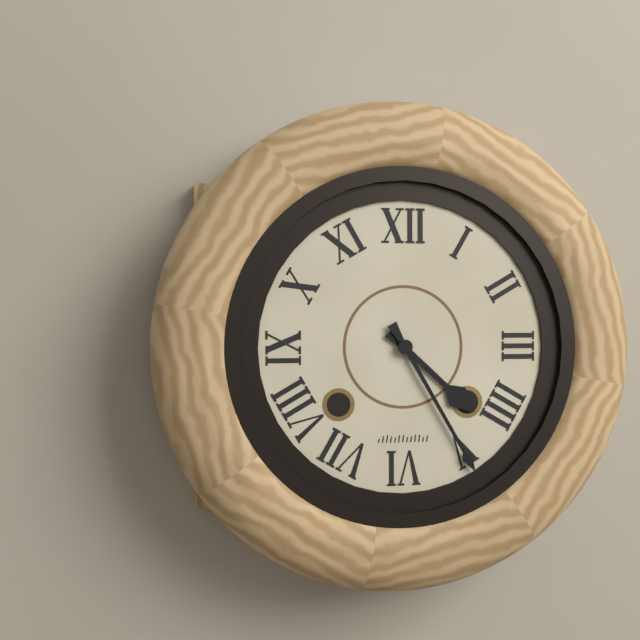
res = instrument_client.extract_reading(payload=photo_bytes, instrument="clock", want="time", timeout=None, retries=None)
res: 4:25
